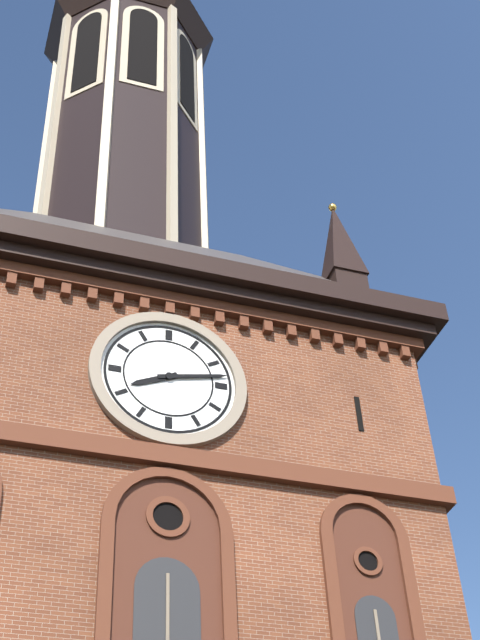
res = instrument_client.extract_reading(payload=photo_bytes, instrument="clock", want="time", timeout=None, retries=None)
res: 8:13
